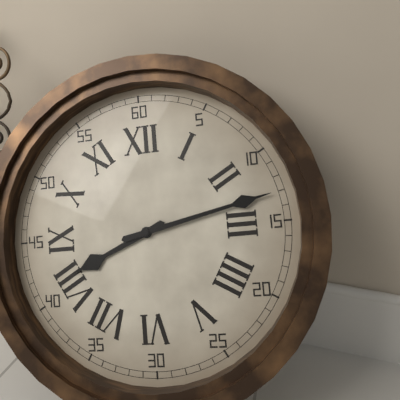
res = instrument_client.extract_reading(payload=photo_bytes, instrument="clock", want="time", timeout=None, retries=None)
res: 8:13
